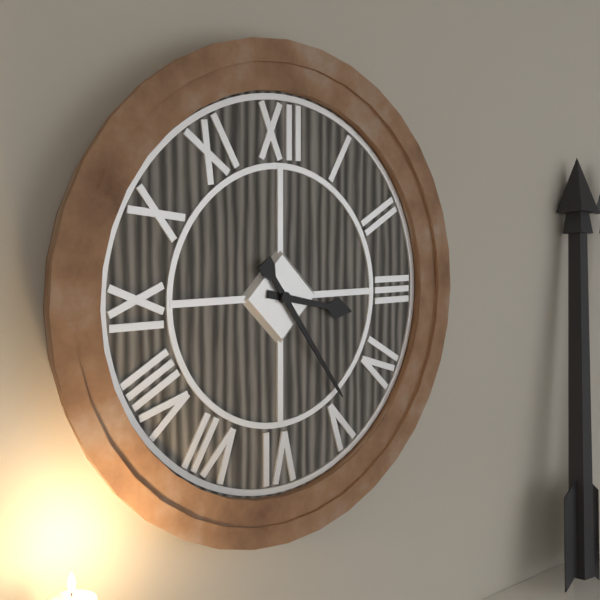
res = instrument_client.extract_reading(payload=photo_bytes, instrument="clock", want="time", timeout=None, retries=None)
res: 3:24
